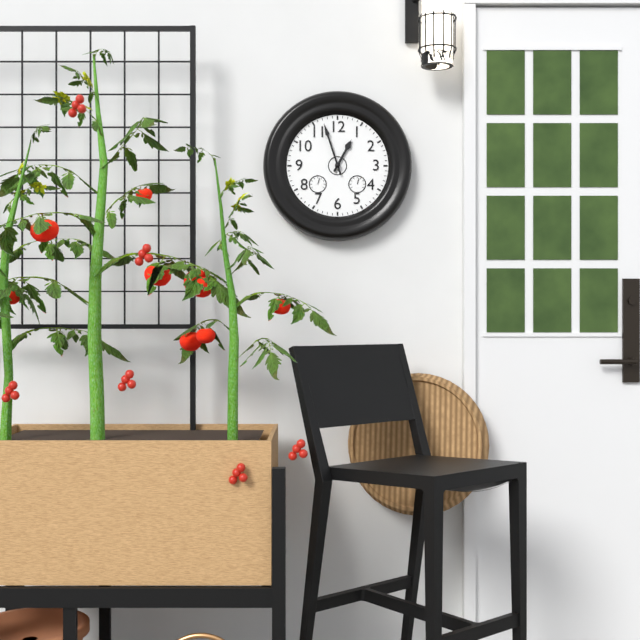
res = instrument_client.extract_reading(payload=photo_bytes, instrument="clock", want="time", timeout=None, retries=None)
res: 12:57
